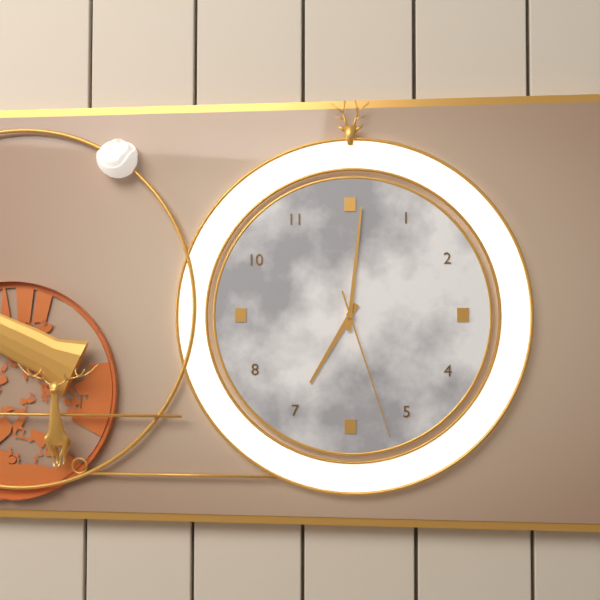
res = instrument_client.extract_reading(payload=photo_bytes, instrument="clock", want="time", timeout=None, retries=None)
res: 7:01:27
